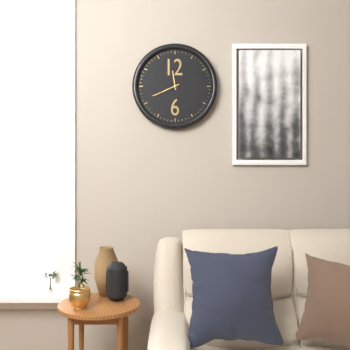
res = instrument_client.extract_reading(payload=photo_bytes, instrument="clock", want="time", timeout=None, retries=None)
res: 11:41
